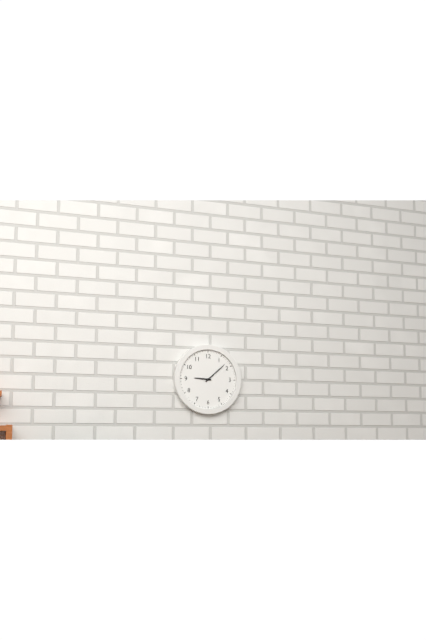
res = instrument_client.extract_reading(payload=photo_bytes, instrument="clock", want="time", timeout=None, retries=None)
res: 9:08
